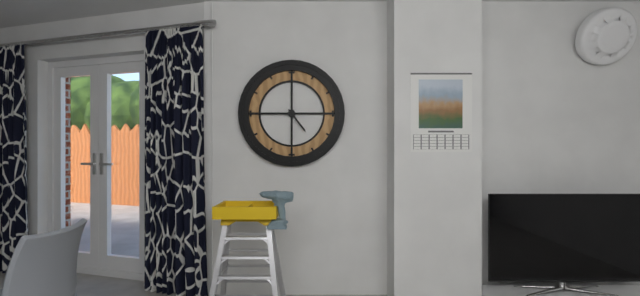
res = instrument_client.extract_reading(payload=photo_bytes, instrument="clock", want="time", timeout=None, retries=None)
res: 4:45
